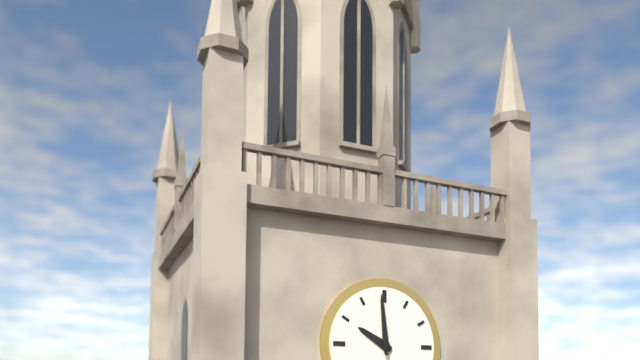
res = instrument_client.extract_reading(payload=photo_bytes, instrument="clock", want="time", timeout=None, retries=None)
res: 9:59
